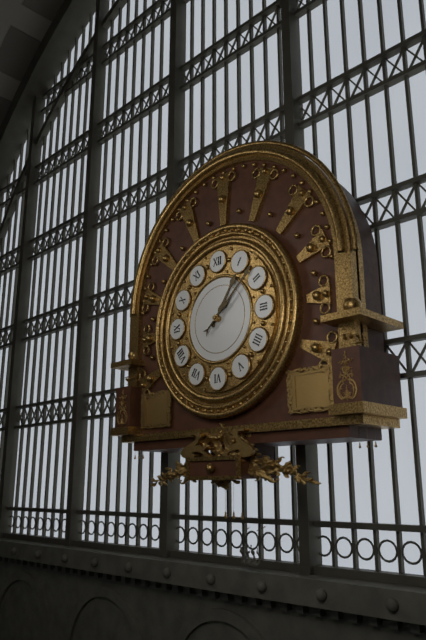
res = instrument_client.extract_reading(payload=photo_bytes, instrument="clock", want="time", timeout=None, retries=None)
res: 1:08
